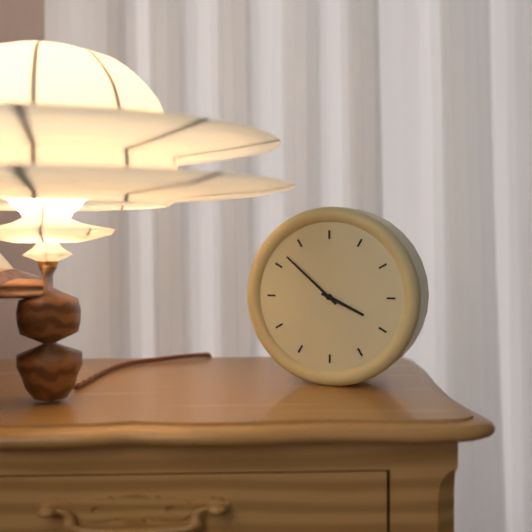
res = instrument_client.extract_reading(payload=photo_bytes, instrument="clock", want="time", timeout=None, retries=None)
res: 3:52
